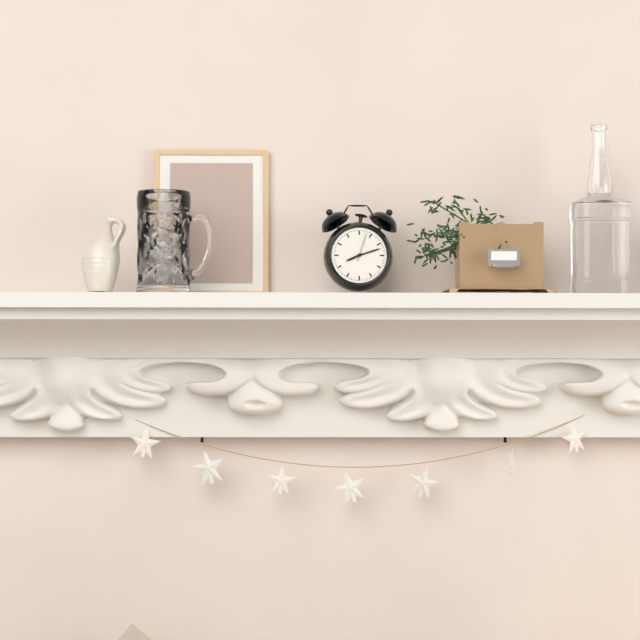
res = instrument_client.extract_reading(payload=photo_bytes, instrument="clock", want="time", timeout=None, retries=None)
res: 8:12
